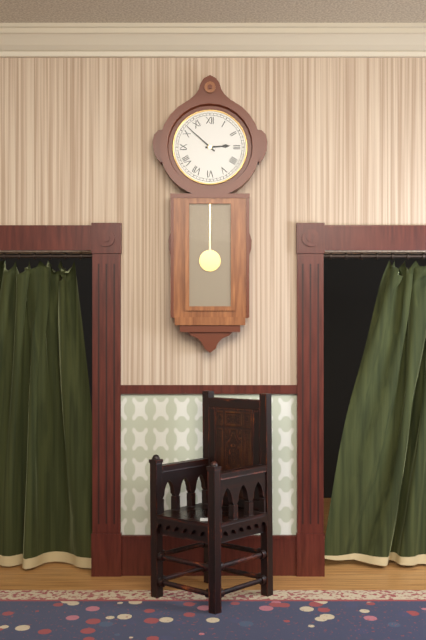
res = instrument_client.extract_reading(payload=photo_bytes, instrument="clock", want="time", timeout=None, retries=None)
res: 2:52
